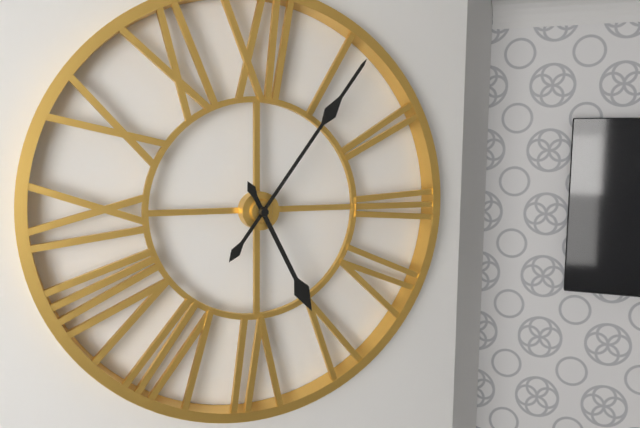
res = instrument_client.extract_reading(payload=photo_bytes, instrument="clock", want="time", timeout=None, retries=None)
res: 5:06
